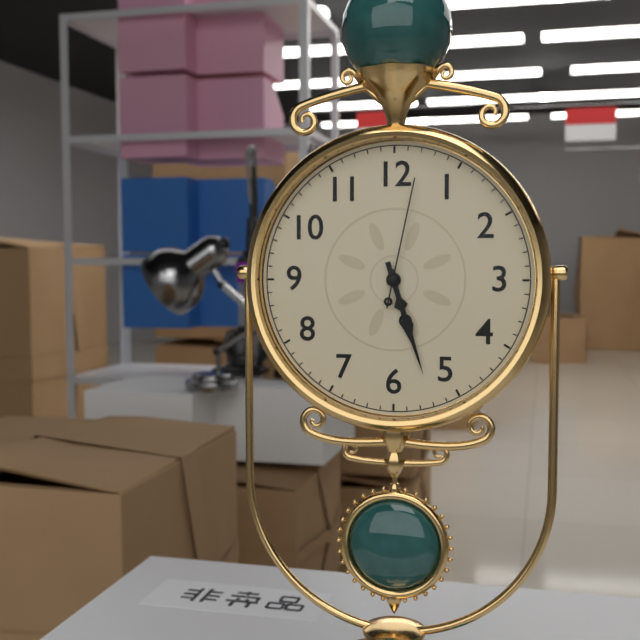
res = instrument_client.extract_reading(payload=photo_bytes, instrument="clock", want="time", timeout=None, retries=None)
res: 5:27:02
